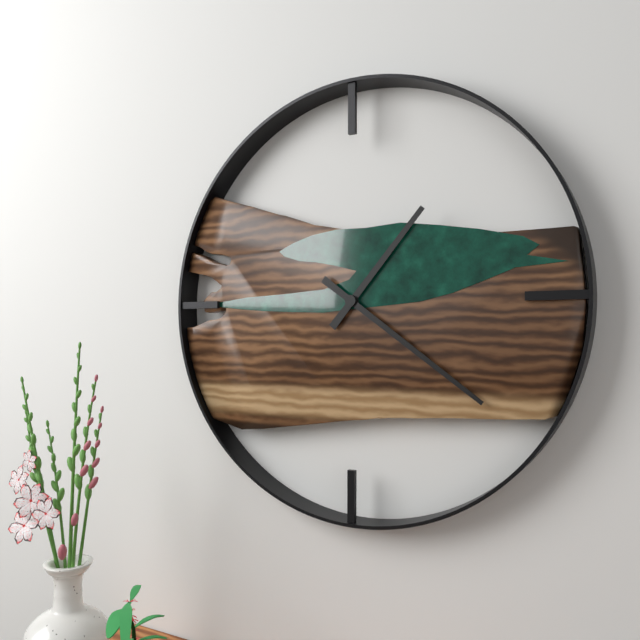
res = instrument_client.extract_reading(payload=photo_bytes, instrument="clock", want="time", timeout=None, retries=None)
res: 1:21
